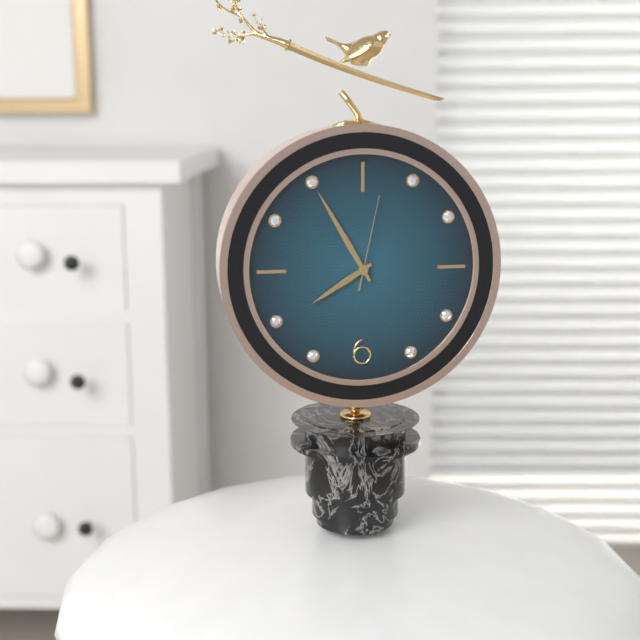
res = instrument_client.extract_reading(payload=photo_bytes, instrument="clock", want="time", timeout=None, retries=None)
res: 7:55:02
